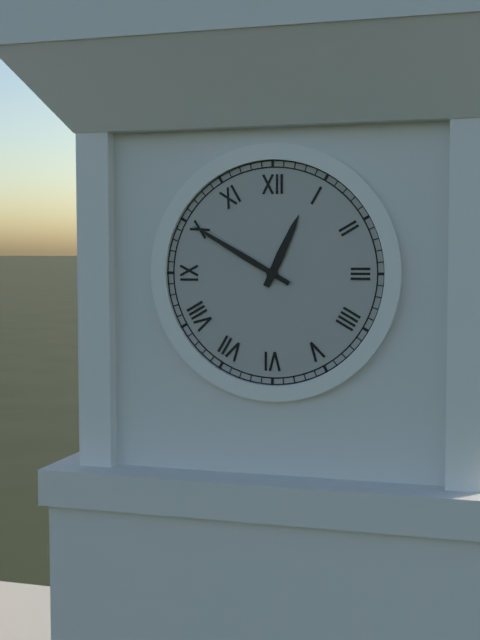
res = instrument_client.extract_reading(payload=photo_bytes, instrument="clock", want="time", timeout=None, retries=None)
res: 12:50
